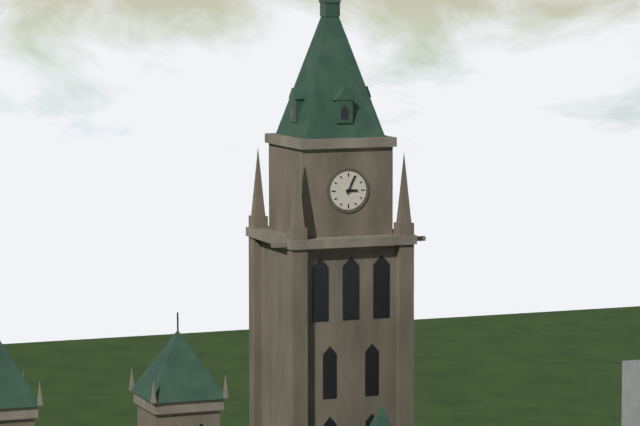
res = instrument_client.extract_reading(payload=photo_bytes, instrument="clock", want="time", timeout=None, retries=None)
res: 3:04
